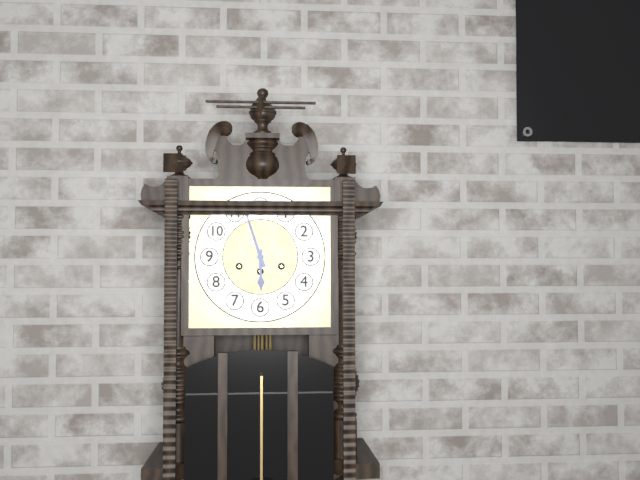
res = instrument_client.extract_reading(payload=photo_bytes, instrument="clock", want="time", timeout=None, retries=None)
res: 5:57
